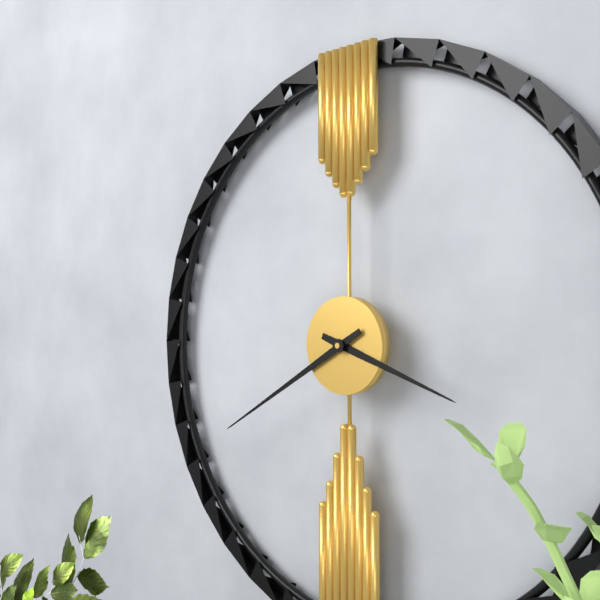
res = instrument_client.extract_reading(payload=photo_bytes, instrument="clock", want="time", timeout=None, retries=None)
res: 3:40
